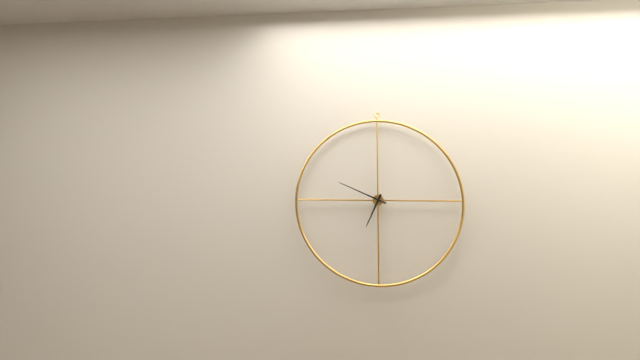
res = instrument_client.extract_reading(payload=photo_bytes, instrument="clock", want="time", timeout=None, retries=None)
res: 6:49
